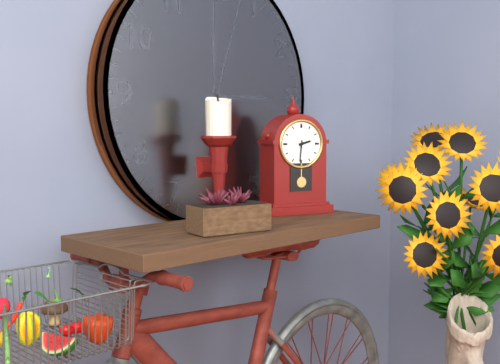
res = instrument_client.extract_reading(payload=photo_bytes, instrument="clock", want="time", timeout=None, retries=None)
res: 2:31
